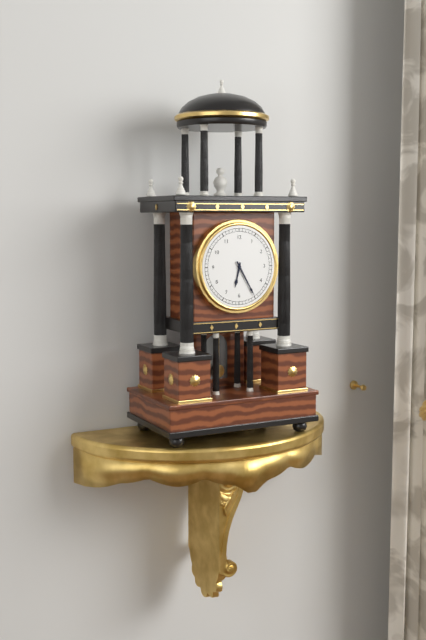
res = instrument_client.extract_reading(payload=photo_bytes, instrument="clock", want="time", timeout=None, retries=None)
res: 6:25
